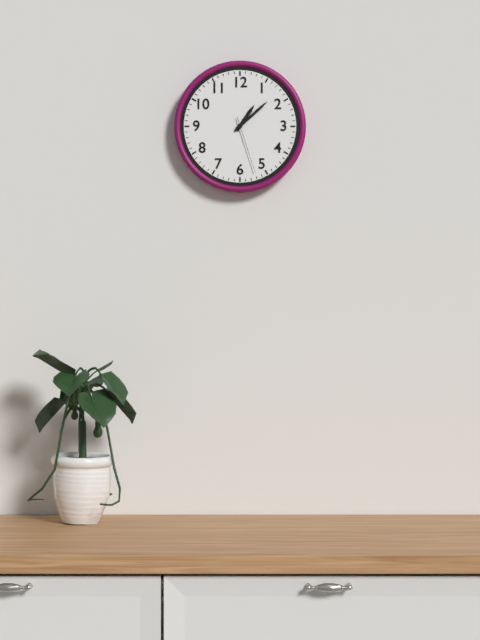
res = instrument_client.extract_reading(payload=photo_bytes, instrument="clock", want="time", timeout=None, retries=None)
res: 1:08:27
